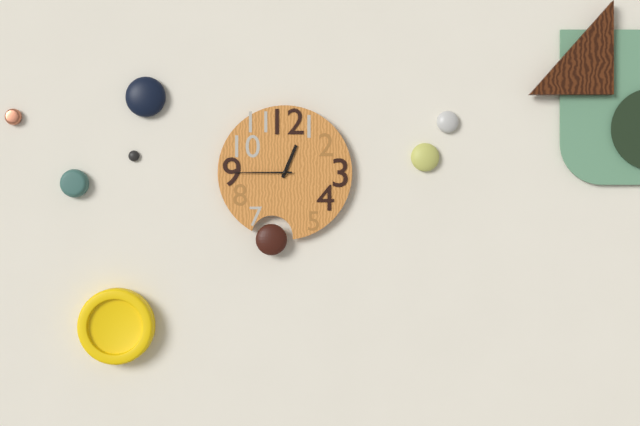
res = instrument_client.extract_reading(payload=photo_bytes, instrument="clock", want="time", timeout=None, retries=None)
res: 12:45
